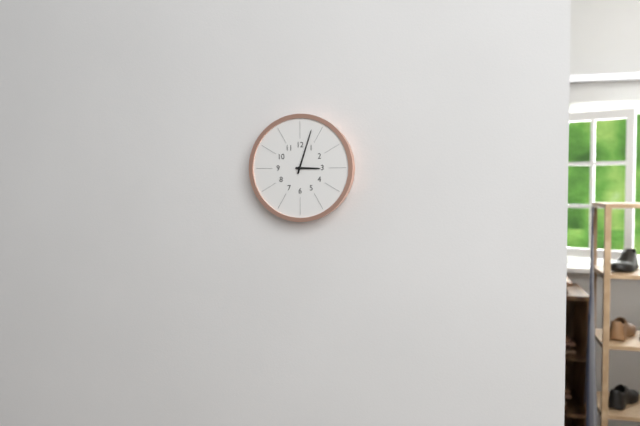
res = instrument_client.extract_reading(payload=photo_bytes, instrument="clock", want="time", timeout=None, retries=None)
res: 3:03
